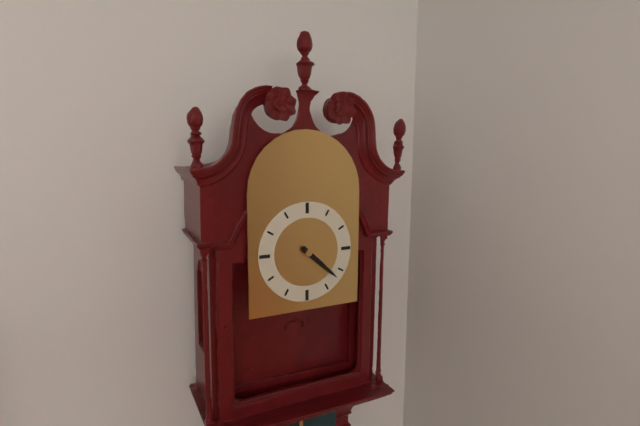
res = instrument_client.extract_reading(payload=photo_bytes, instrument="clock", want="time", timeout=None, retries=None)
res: 4:22
